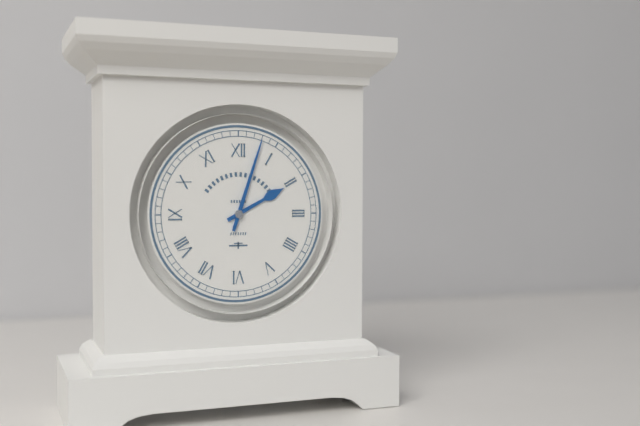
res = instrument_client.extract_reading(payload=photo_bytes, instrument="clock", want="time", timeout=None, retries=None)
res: 2:03
